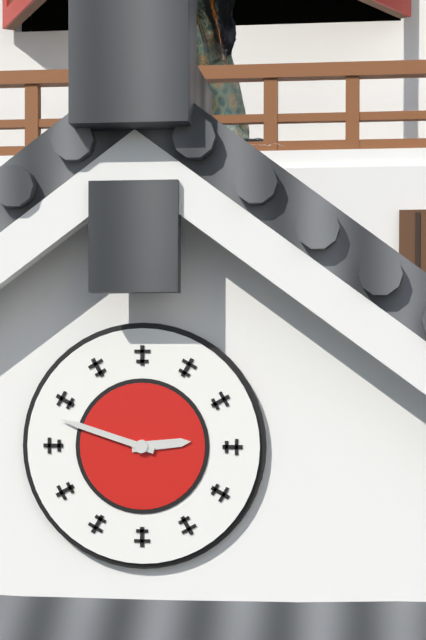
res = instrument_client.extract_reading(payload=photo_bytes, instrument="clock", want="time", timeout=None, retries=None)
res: 2:48
